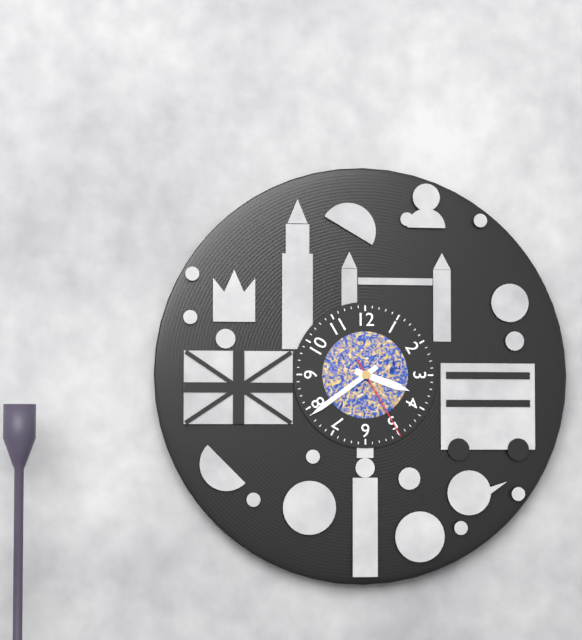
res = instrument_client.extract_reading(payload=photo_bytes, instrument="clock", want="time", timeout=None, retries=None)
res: 3:39:25
